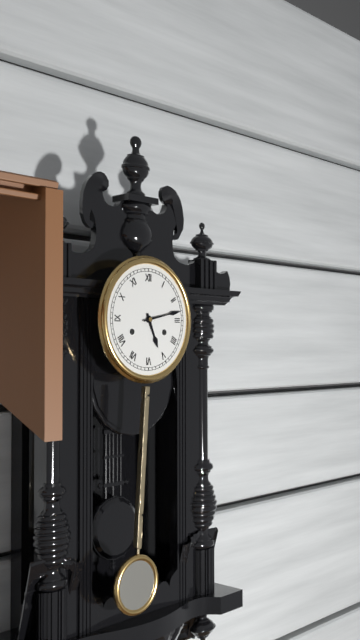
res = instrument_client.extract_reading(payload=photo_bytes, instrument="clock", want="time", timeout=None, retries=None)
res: 5:13
